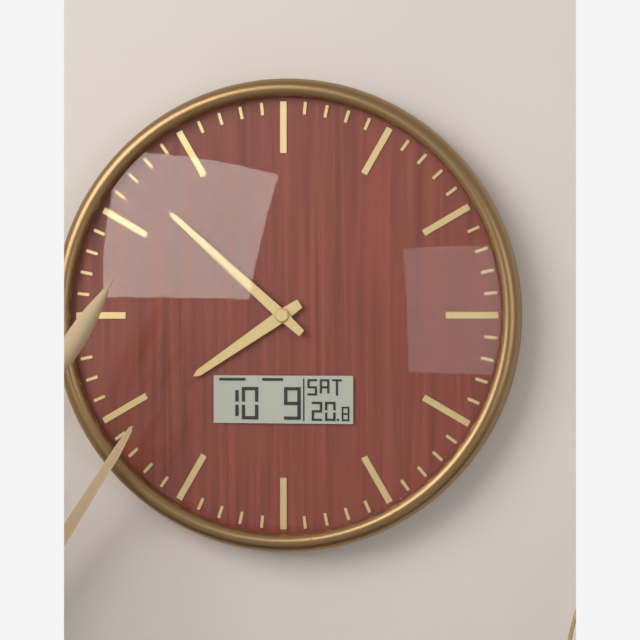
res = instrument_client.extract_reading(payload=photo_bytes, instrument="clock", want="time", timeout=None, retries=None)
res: 7:52
